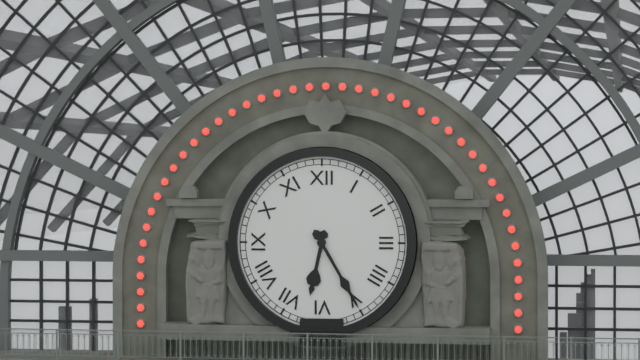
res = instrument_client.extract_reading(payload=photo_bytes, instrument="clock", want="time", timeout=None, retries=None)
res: 6:25
